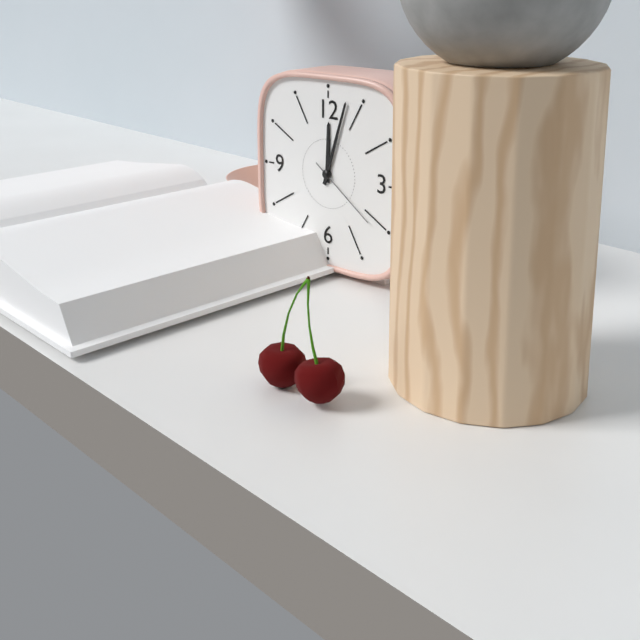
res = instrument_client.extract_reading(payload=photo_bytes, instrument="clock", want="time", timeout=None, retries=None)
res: 12:03:21
